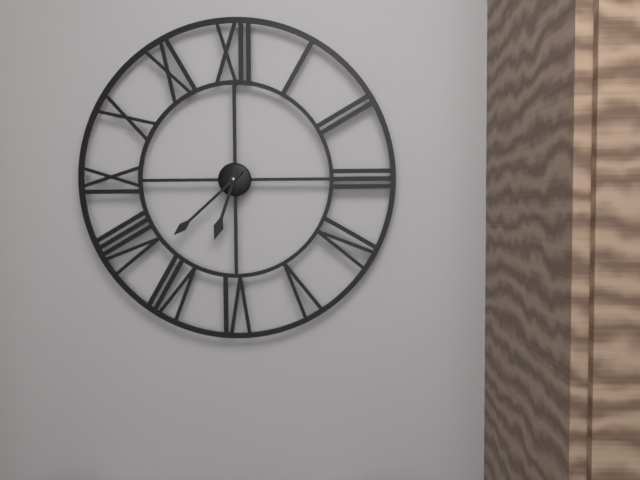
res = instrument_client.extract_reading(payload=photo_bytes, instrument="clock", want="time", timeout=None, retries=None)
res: 6:38
